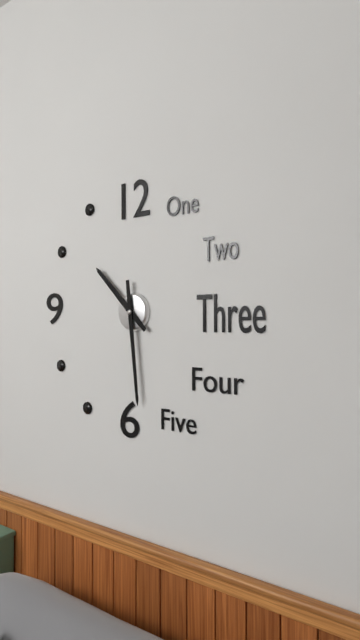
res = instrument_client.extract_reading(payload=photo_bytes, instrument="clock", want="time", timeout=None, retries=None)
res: 10:29
